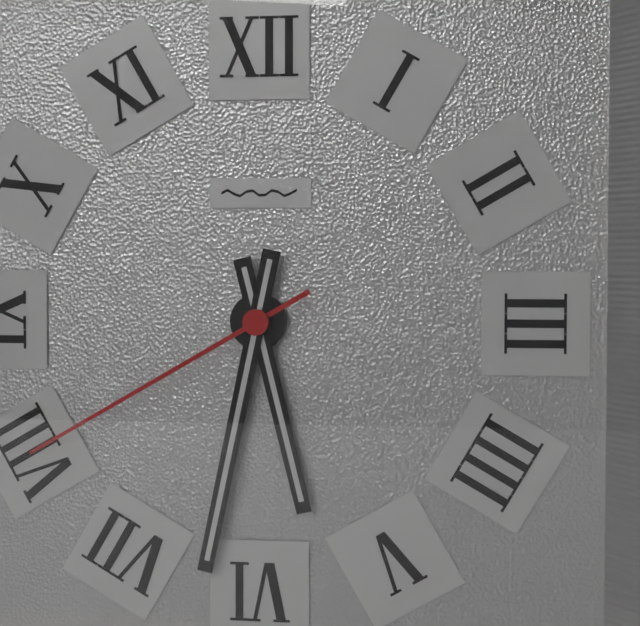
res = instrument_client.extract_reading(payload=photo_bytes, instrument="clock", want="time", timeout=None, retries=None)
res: 5:32:40
